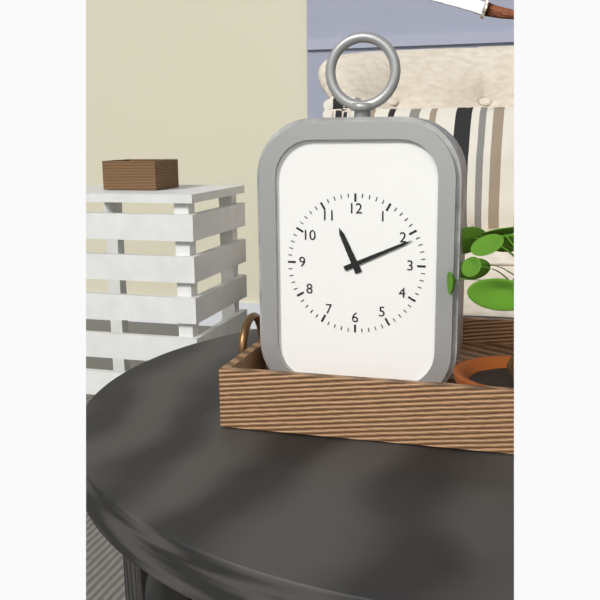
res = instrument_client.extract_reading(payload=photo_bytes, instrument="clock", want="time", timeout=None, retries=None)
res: 11:11
